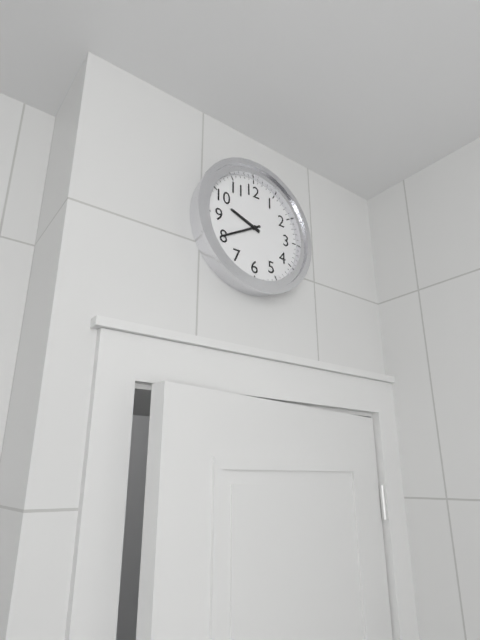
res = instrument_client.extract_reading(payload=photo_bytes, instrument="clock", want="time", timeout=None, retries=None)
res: 9:40
